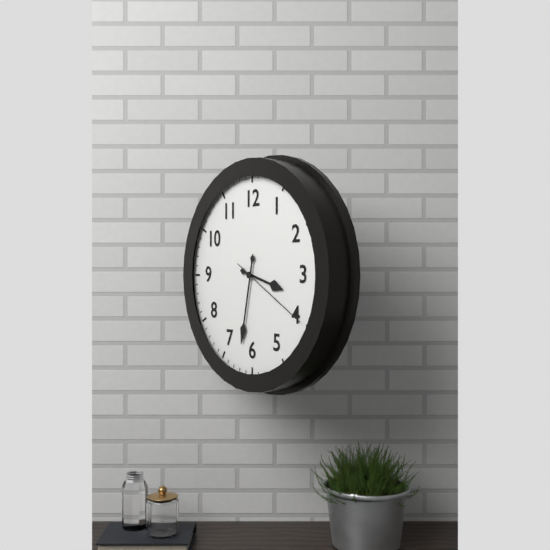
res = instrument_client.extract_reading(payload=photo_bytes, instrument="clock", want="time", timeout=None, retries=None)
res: 3:32:20
